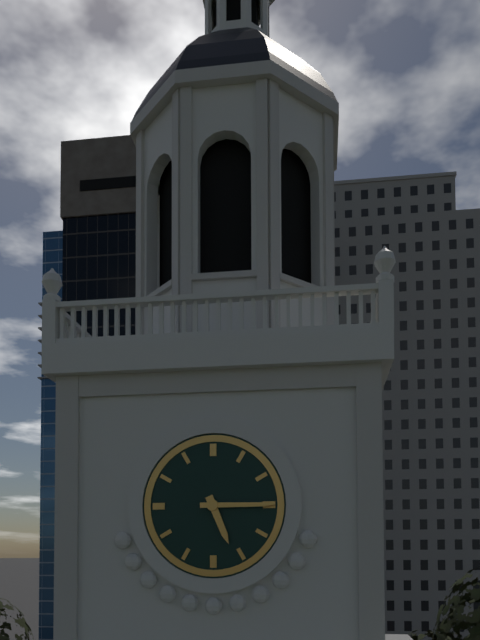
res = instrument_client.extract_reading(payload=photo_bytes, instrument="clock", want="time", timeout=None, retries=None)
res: 5:15
